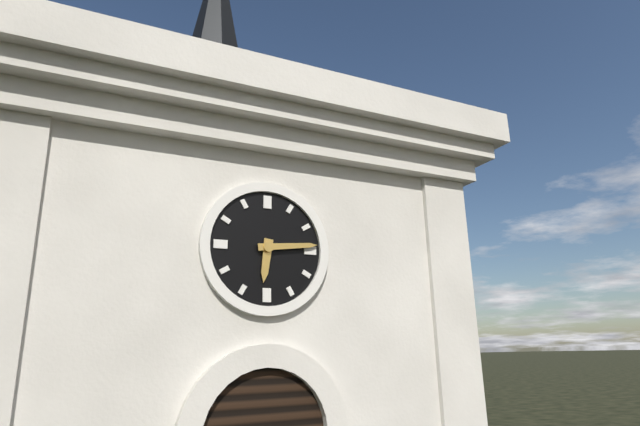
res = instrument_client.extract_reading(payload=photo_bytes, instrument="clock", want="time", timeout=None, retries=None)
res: 6:14
